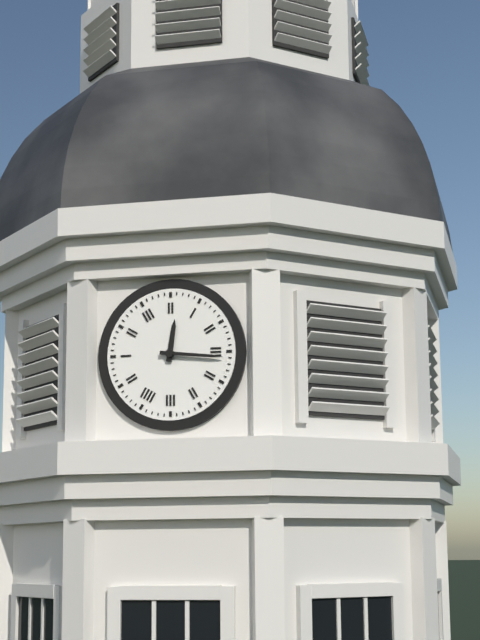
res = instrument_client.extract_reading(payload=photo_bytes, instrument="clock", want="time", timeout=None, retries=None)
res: 12:16
